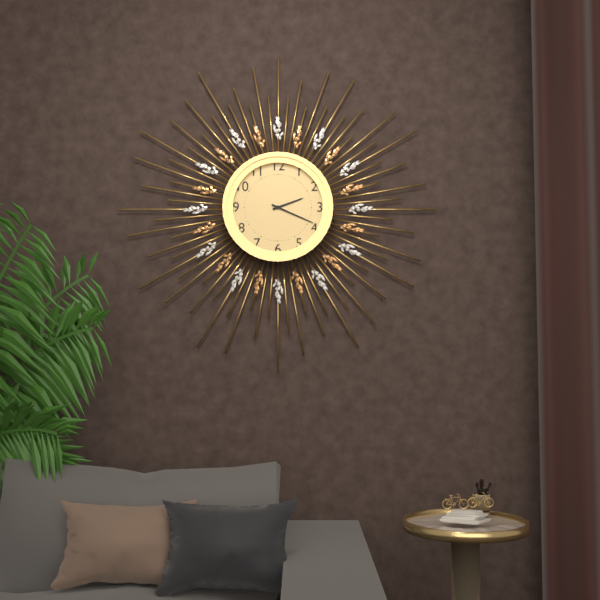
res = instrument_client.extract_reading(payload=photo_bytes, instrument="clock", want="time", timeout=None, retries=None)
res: 2:19
